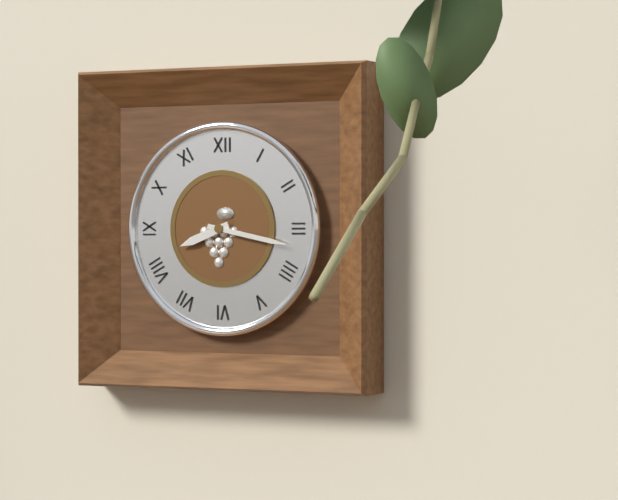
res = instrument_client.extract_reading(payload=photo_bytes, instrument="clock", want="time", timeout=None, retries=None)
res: 8:17
